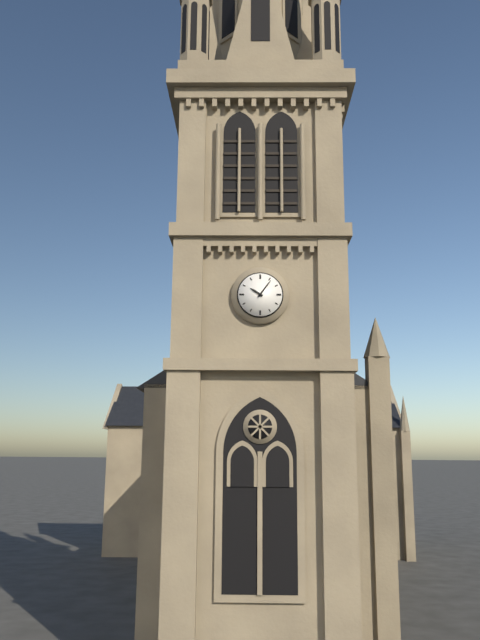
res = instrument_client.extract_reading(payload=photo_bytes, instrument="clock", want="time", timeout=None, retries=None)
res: 10:06
